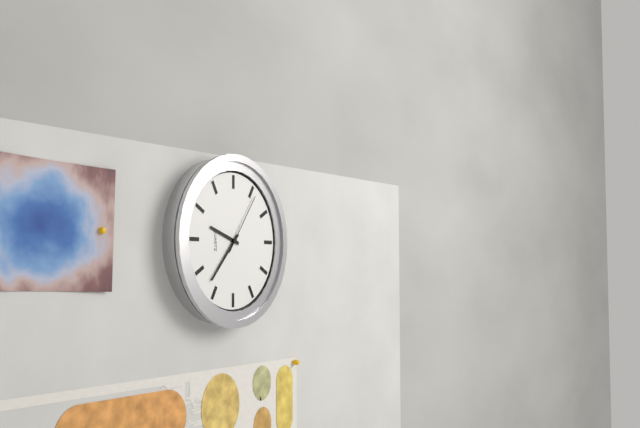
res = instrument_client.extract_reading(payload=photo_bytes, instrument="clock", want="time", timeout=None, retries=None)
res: 9:37:06
